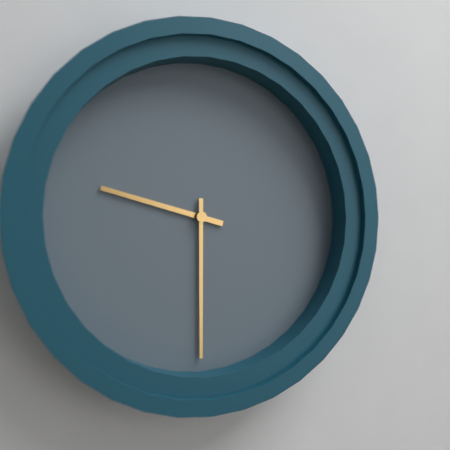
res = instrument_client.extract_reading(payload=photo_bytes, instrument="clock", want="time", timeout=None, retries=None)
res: 9:30
